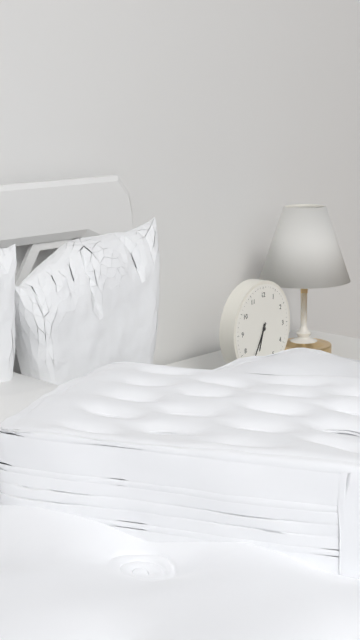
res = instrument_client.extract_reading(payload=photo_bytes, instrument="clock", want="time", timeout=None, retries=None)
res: 6:35
